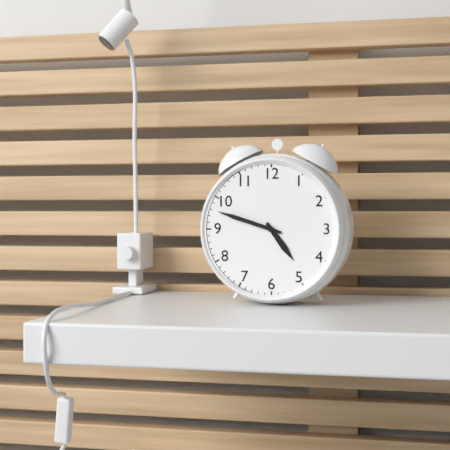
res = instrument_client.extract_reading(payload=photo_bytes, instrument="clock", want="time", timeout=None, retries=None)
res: 4:48
